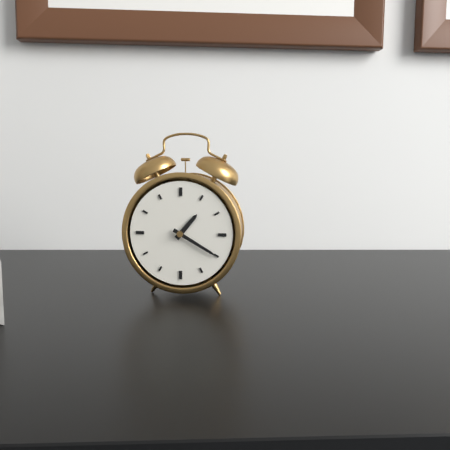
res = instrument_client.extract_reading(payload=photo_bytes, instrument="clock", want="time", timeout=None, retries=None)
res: 1:20
